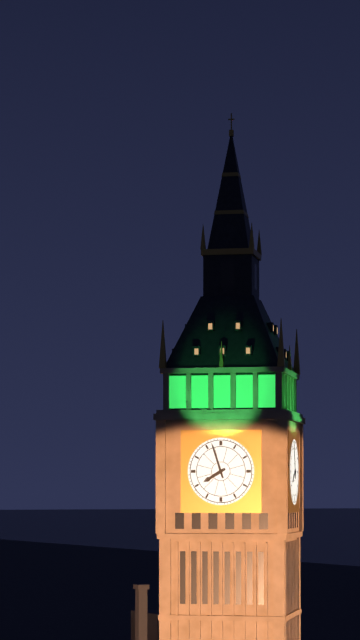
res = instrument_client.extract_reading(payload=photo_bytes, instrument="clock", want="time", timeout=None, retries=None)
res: 7:57
